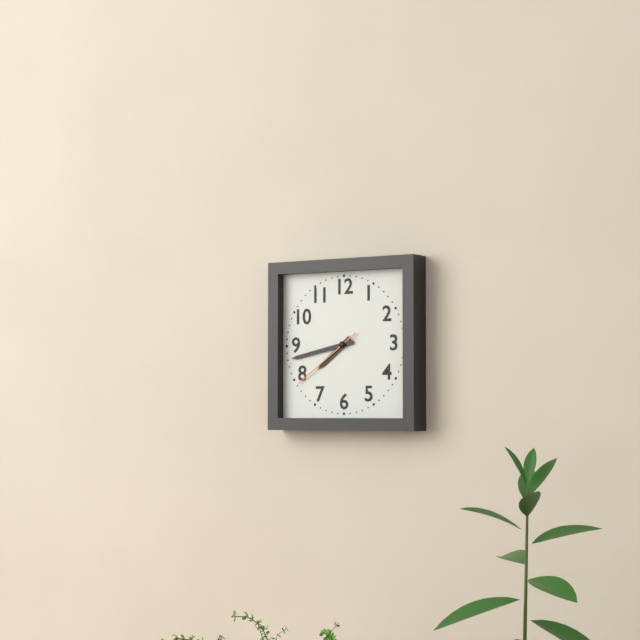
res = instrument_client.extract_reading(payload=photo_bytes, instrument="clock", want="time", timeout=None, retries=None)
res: 7:43:39
